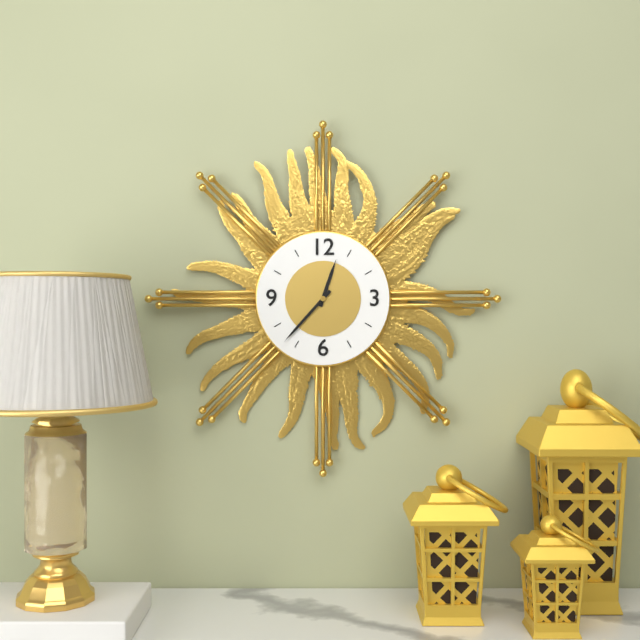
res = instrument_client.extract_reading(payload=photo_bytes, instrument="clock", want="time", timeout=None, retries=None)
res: 12:37
